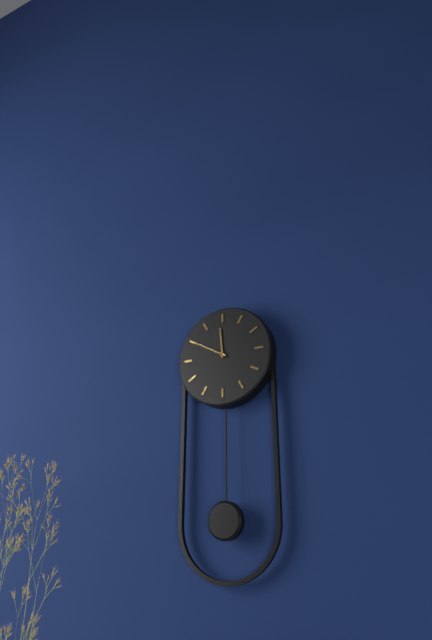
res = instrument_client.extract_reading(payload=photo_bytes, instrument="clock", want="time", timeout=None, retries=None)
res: 11:50
